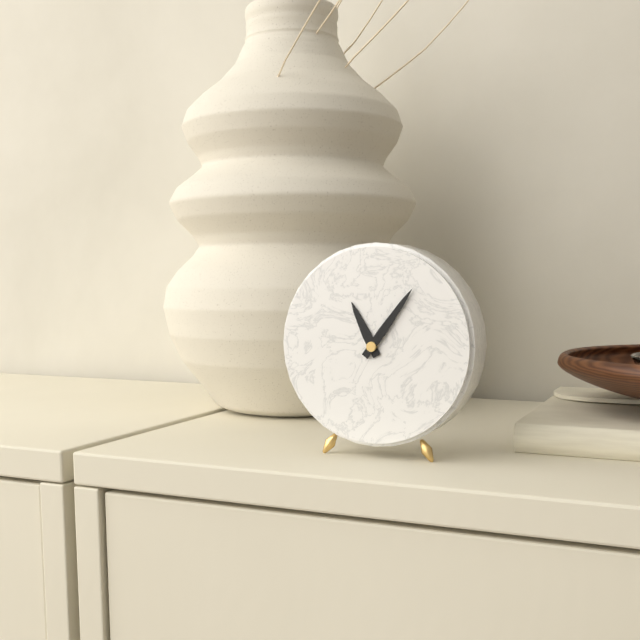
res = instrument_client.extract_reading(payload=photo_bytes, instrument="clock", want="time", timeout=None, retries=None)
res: 11:06
